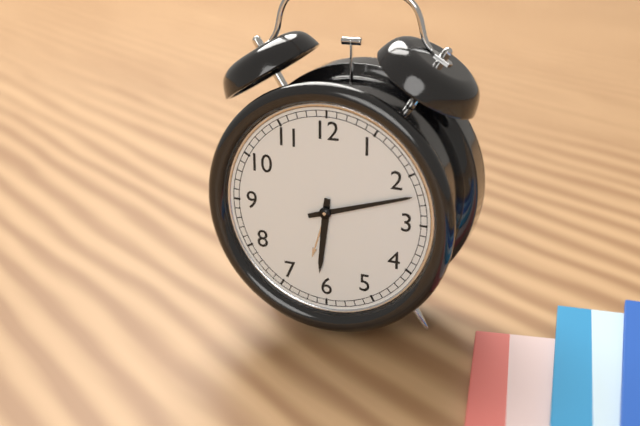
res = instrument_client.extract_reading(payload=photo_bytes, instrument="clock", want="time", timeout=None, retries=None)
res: 6:12
